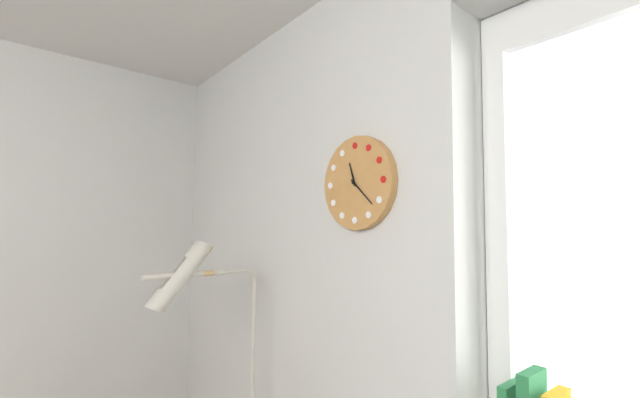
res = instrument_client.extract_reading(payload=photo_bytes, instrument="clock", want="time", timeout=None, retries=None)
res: 11:22
